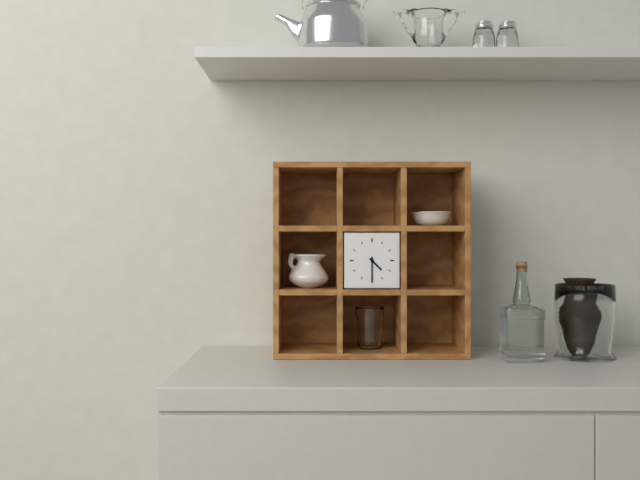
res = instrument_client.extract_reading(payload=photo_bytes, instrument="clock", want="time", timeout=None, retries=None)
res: 4:30
